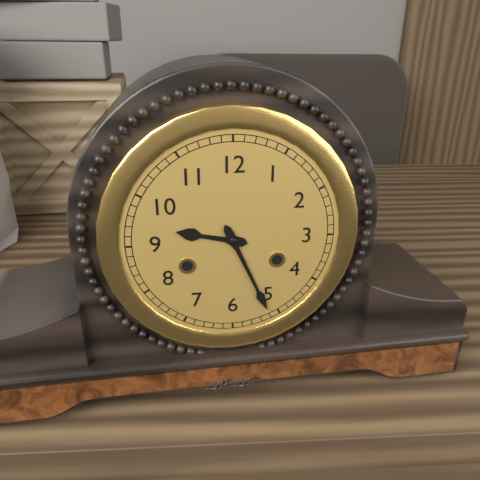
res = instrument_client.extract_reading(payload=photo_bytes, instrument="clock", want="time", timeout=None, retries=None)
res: 9:26
